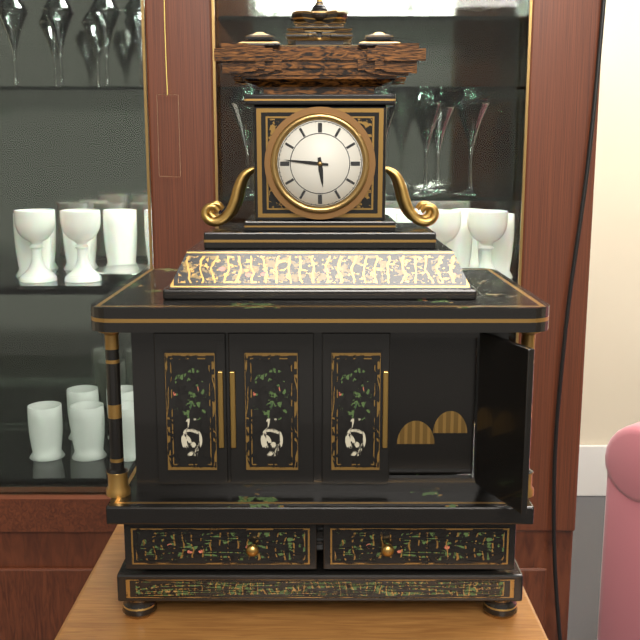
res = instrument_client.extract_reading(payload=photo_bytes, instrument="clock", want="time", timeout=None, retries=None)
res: 5:46
